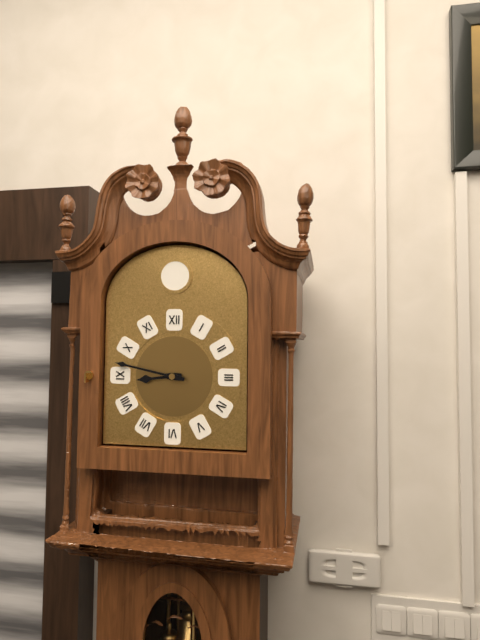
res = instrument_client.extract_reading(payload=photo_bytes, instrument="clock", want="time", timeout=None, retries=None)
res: 8:47
